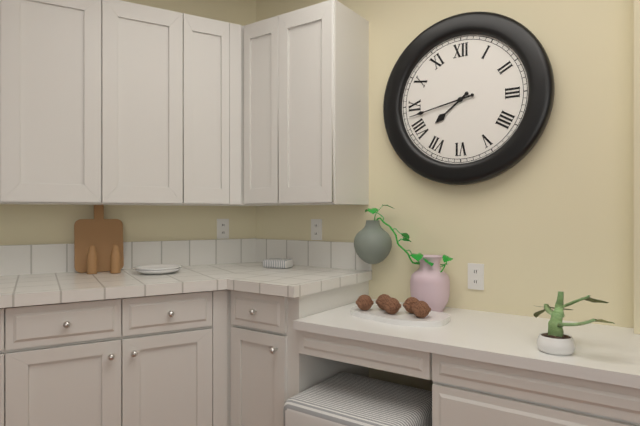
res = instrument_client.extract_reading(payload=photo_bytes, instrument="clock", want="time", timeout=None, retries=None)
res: 7:43
